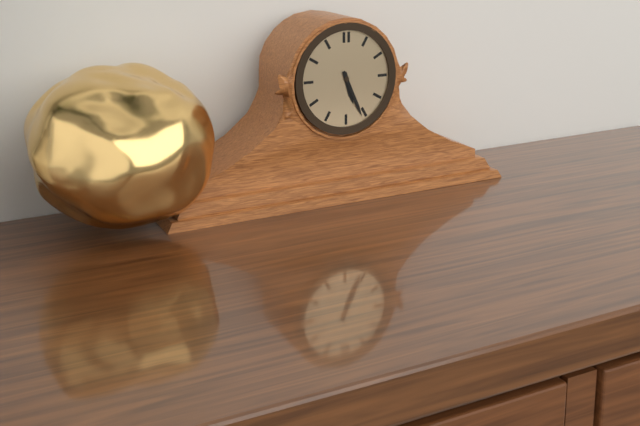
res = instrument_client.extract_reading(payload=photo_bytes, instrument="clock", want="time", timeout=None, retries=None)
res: 5:26
